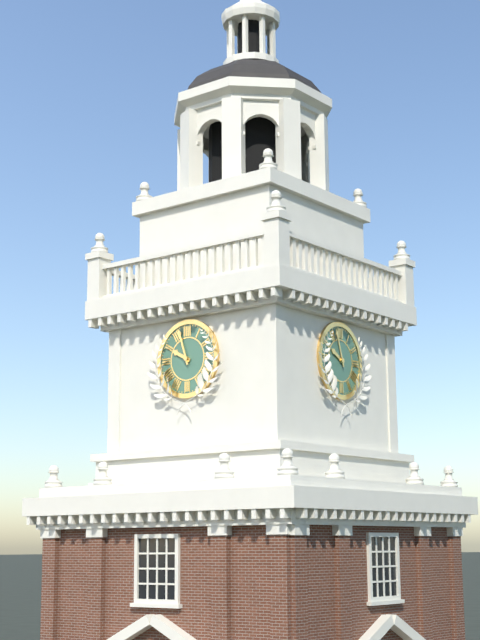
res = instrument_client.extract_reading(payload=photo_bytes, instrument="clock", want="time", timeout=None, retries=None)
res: 9:57
